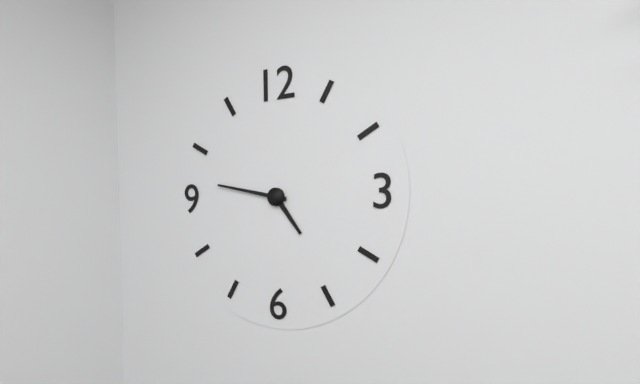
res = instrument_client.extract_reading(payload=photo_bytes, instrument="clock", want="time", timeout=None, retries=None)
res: 4:47
